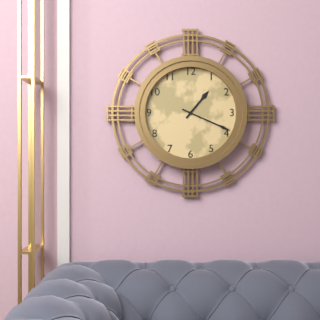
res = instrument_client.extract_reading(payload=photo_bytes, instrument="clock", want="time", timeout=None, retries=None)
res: 1:19
